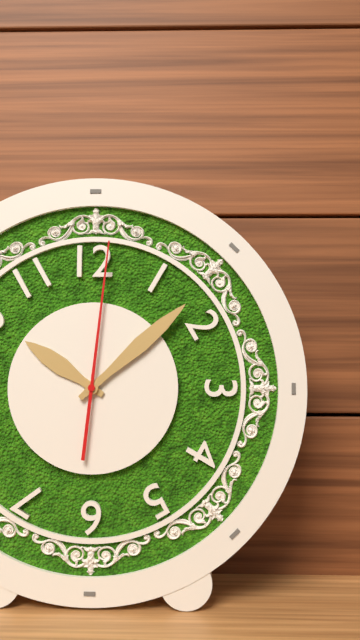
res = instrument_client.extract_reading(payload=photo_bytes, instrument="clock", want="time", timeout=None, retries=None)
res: 10:08:01
